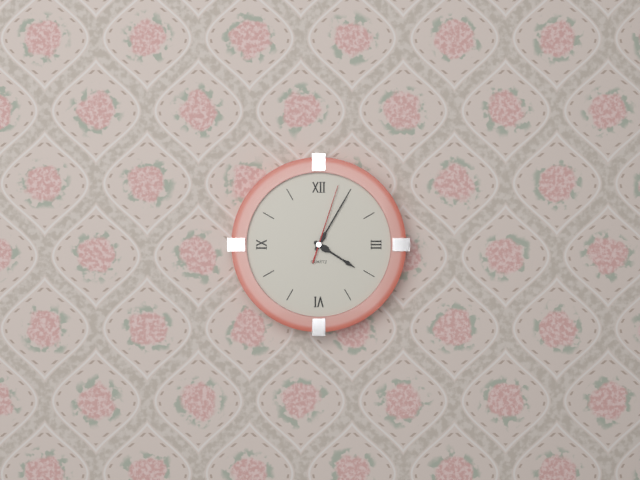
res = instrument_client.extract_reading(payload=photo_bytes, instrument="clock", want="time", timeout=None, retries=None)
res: 4:05:03
